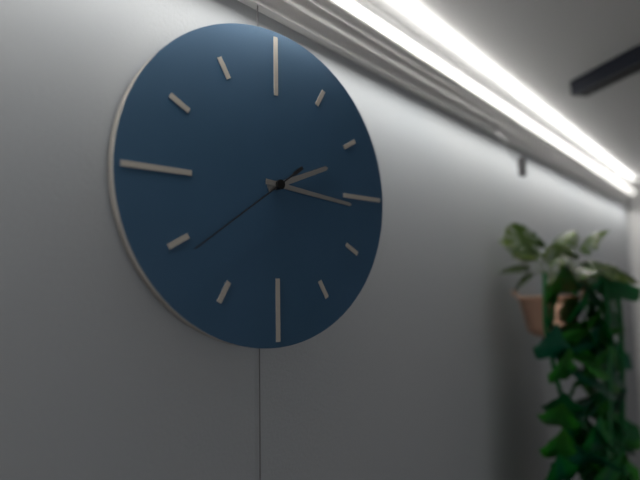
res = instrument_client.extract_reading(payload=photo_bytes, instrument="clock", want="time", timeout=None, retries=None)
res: 2:16:39
